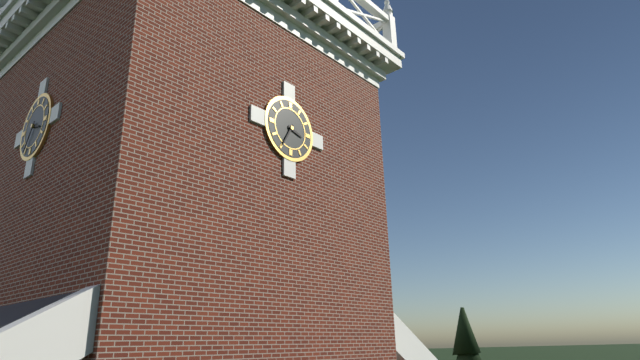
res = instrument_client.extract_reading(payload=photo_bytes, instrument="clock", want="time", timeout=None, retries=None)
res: 3:35
